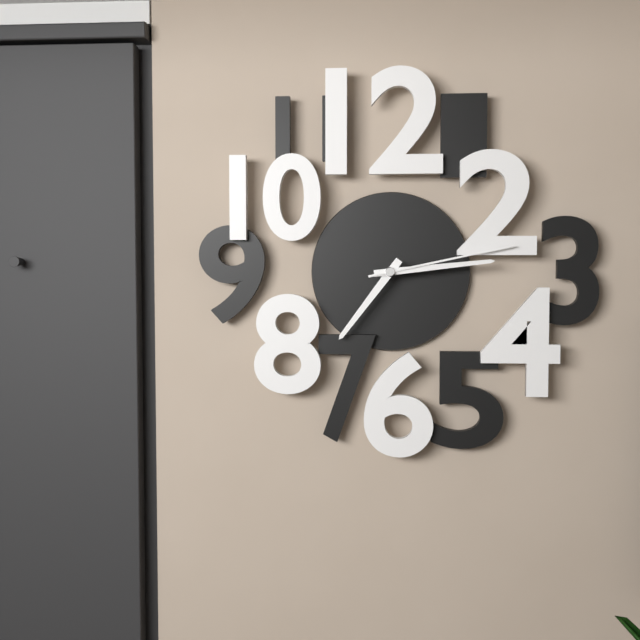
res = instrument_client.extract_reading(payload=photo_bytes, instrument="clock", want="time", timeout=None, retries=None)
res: 7:14:13
